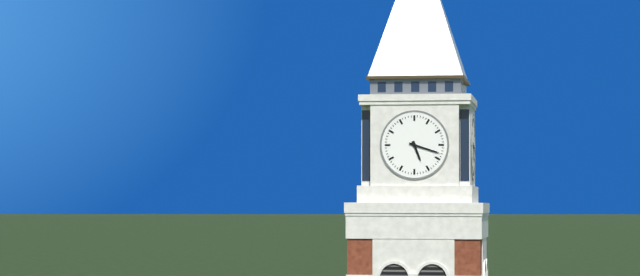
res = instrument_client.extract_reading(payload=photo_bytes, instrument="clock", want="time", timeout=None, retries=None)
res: 5:18
